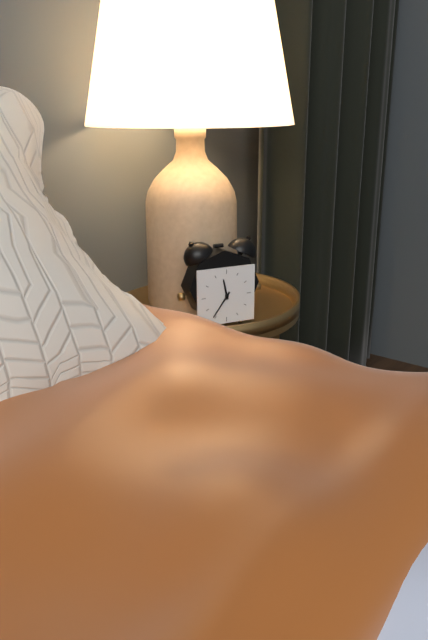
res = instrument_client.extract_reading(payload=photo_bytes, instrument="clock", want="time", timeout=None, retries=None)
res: 11:36
